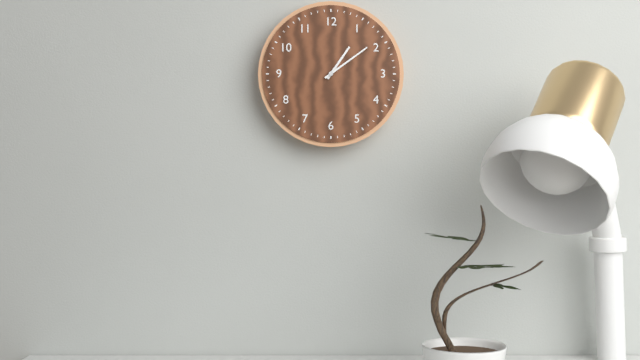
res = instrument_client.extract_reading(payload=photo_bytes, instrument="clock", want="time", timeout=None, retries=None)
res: 1:09
